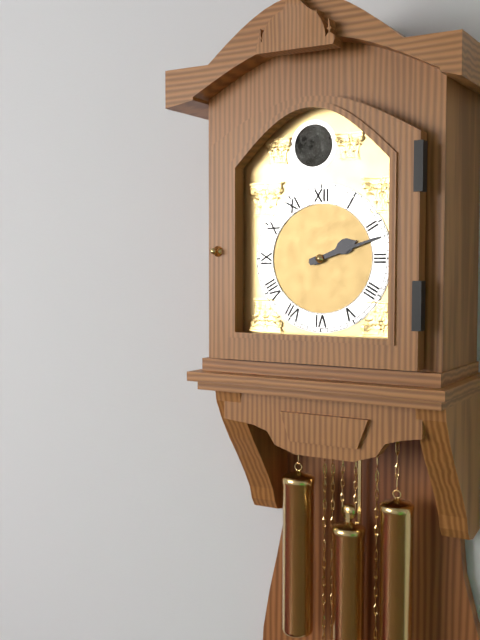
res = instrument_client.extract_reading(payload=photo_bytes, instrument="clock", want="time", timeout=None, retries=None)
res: 2:12
